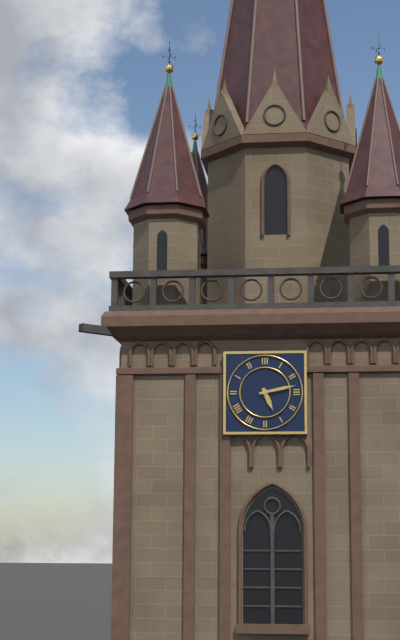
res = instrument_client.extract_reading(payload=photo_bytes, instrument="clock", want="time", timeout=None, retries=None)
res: 5:13
